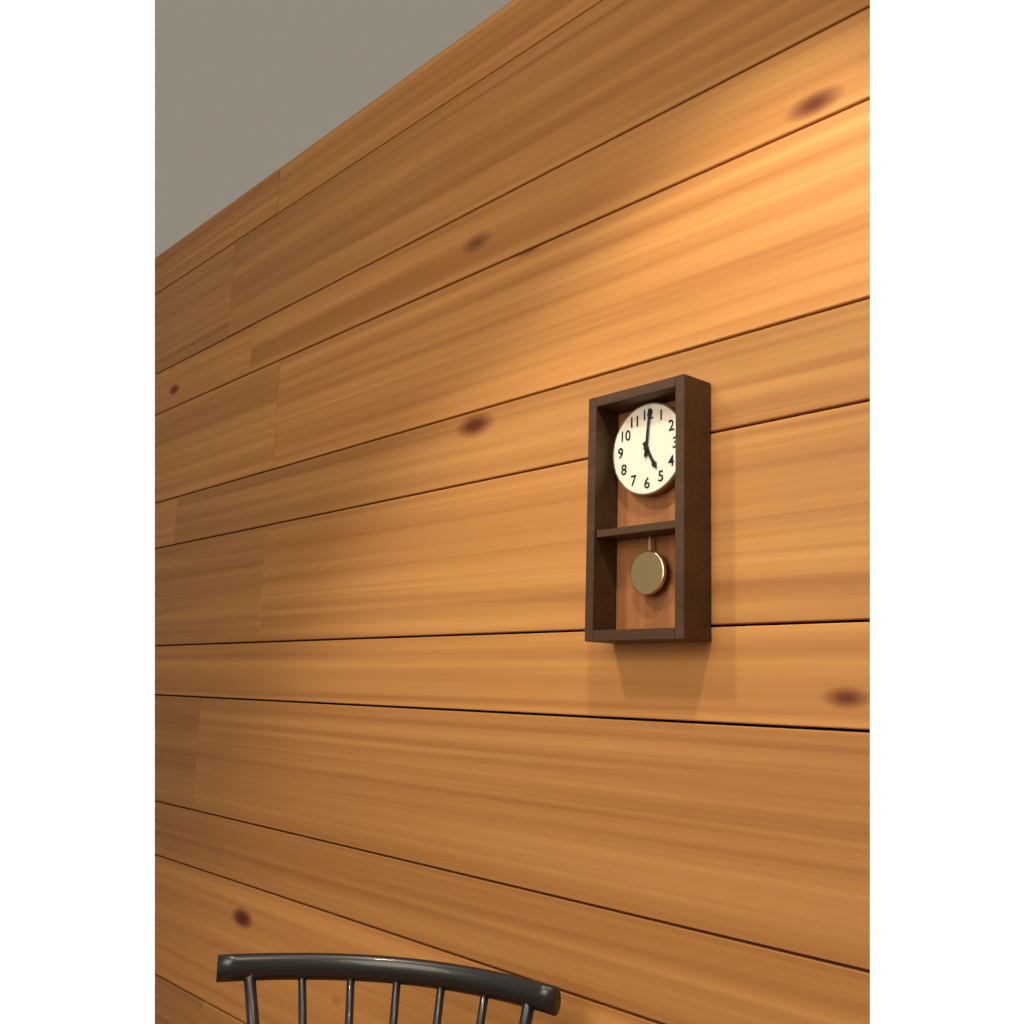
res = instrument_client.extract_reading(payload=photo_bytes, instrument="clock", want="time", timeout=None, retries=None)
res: 5:01
